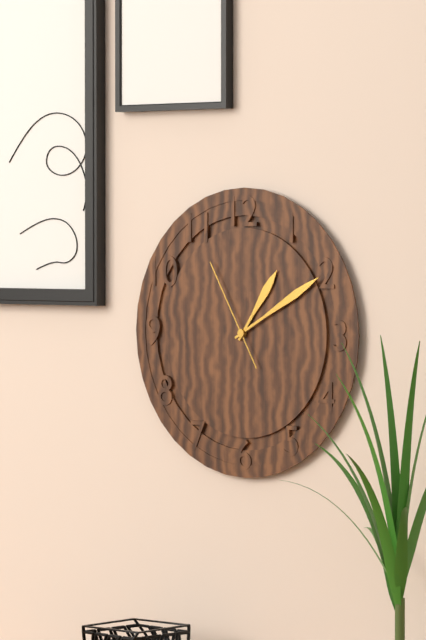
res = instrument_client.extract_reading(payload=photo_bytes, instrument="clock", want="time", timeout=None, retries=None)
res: 1:10:55
